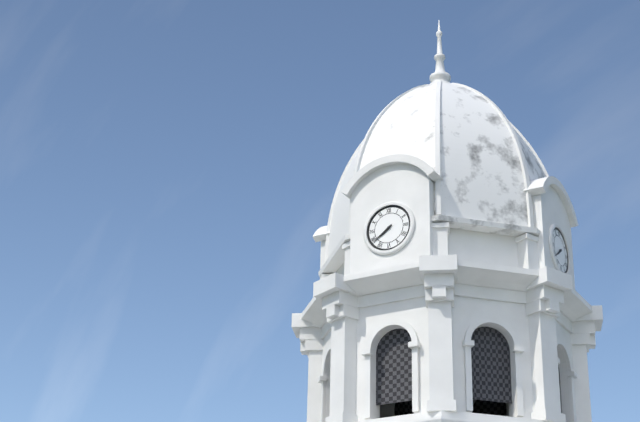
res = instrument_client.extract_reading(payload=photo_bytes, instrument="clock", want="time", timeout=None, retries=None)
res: 7:39
